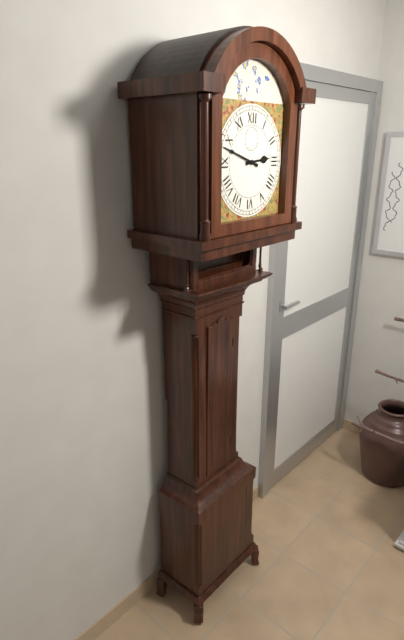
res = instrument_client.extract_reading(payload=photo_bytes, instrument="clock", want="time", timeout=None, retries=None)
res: 2:48
